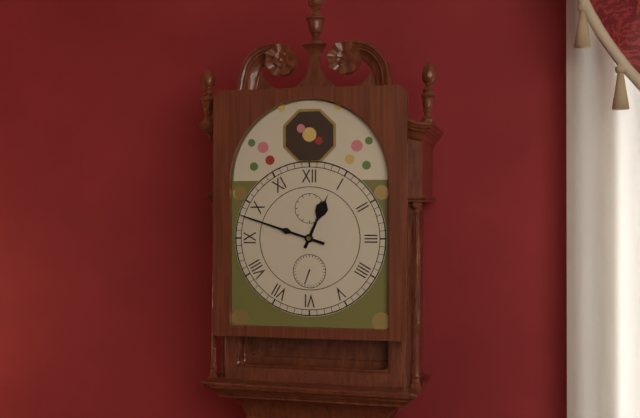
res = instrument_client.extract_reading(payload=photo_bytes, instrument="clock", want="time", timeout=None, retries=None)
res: 12:48
